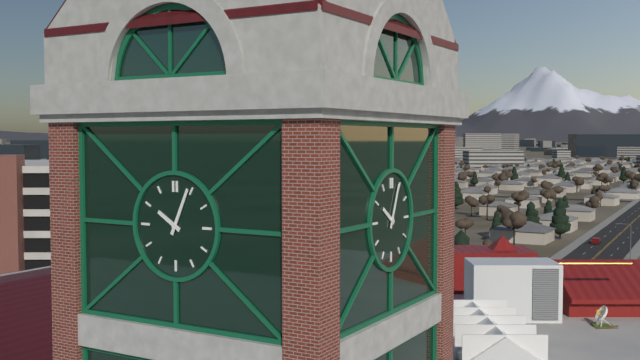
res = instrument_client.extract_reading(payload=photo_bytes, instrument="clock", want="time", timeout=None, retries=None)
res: 10:04
